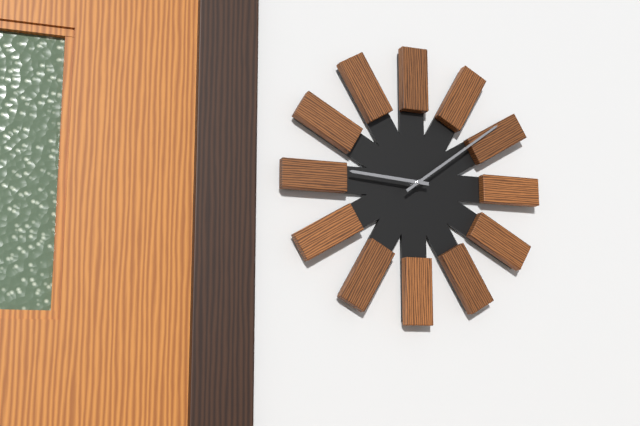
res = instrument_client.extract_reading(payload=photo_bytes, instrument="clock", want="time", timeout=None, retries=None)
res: 9:09
